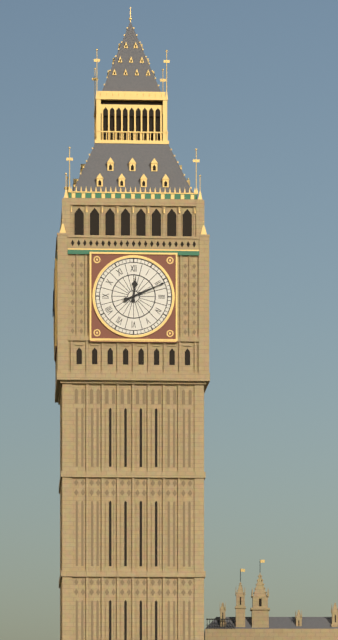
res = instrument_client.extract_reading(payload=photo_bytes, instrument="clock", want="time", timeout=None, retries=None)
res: 12:11
